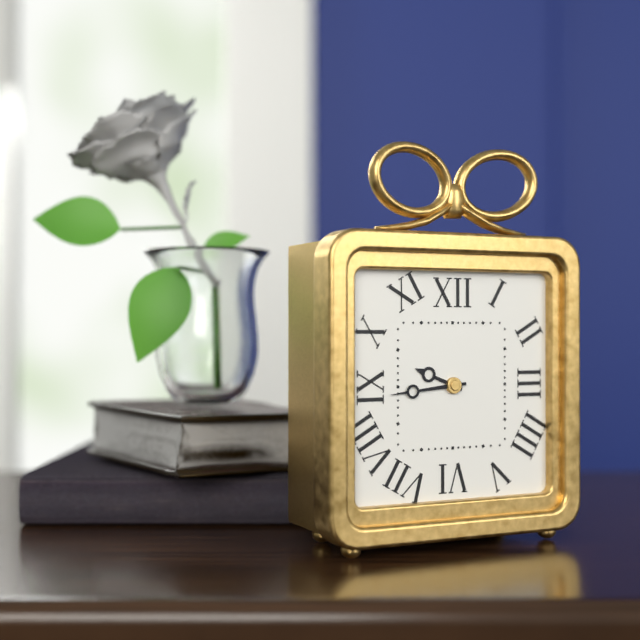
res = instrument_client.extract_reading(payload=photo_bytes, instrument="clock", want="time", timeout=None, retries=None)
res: 9:44
